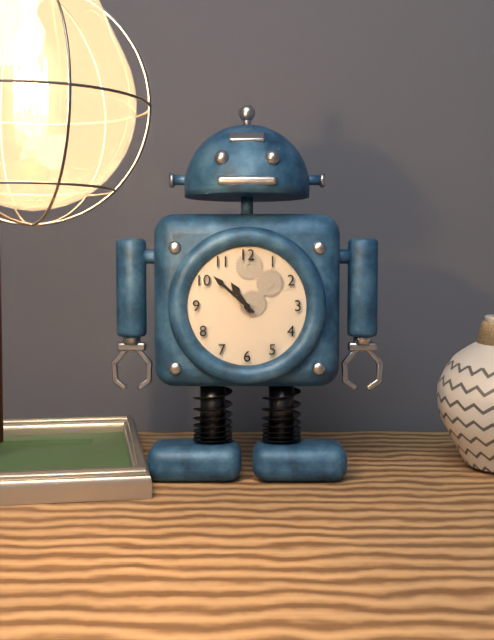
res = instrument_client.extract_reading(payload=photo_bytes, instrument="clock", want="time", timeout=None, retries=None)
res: 10:52
